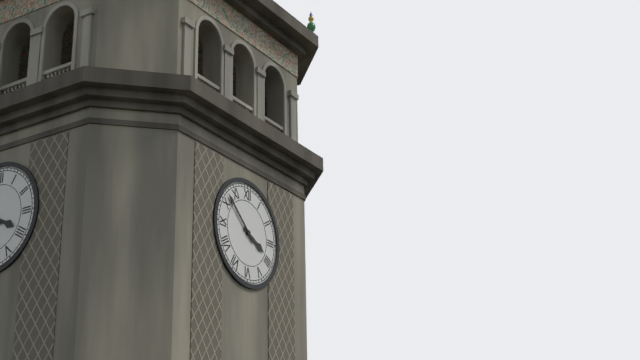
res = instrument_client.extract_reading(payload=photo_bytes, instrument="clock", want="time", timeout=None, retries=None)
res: 3:52
